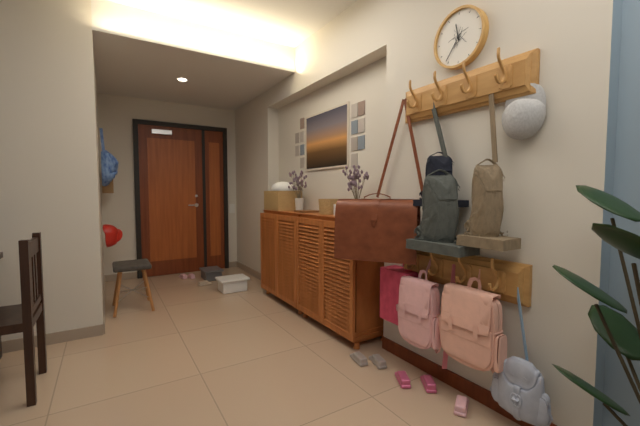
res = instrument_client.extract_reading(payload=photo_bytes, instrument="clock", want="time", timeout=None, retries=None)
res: 11:36
